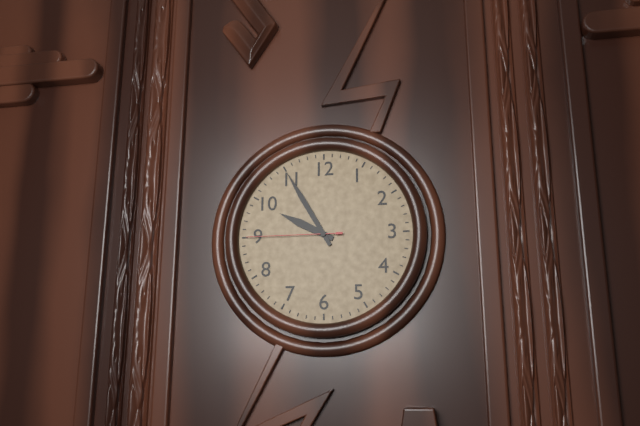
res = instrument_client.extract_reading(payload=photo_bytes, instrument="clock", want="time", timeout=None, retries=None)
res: 9:55:45
